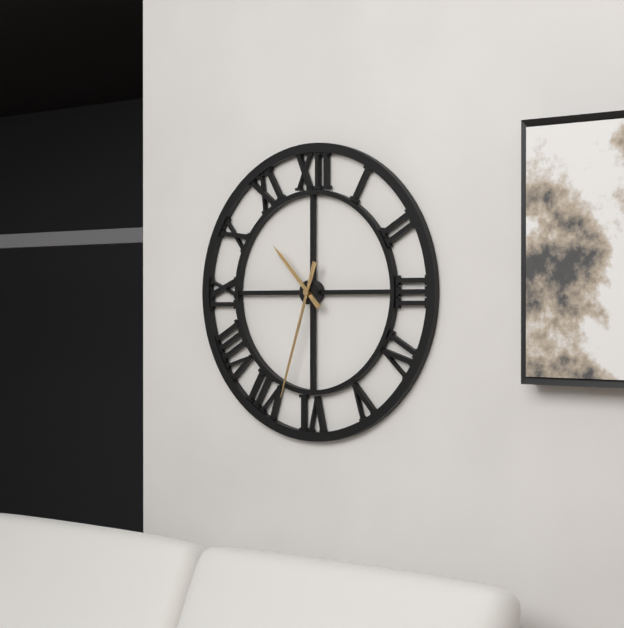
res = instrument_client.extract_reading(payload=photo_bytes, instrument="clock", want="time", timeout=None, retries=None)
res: 10:33
